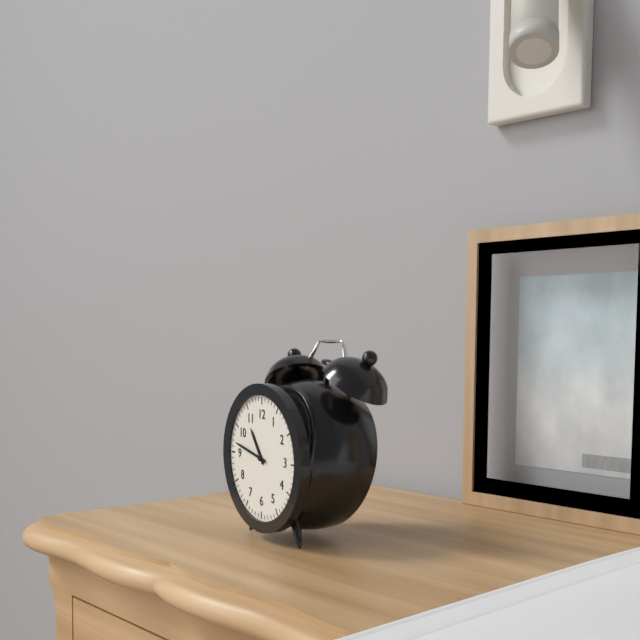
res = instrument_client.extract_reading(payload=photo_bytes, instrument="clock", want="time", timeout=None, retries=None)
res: 10:47
